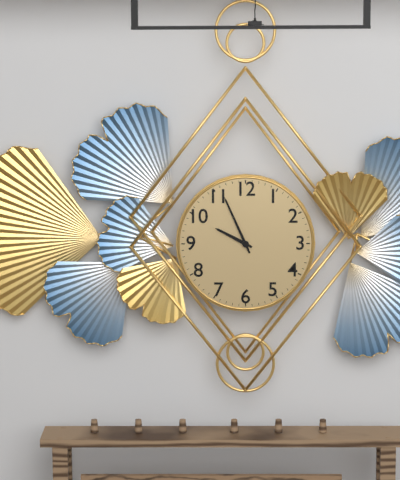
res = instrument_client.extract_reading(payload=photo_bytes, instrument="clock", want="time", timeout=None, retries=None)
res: 9:56
